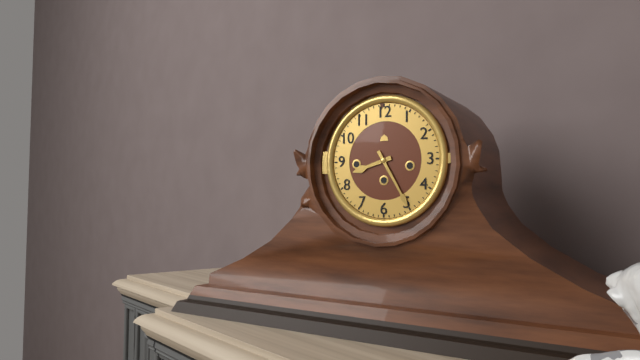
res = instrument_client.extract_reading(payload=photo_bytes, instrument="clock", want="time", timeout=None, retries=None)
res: 8:25
